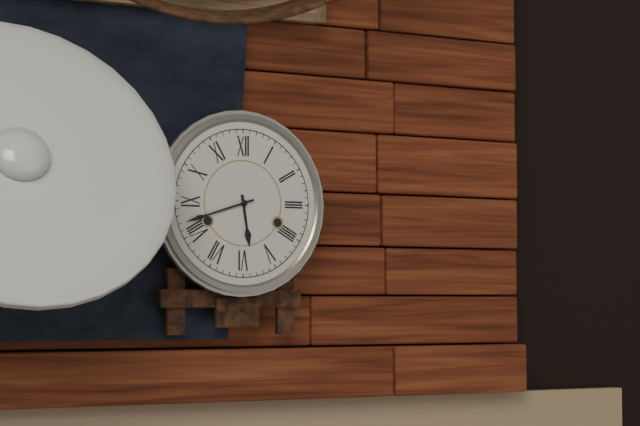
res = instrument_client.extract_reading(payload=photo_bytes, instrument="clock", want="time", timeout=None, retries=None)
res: 5:42
